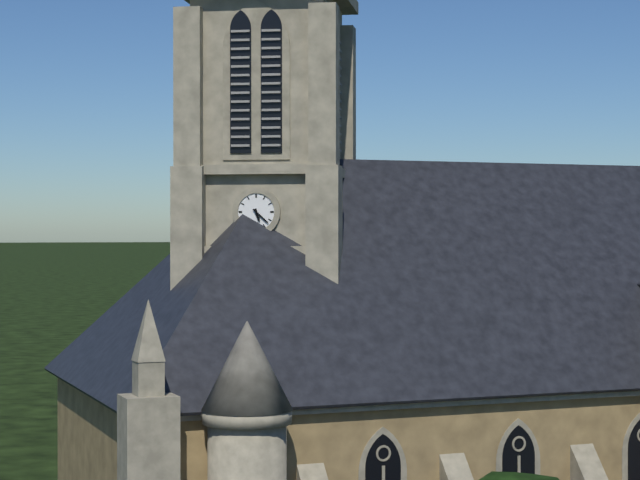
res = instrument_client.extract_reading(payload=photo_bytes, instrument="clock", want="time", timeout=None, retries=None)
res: 5:22
